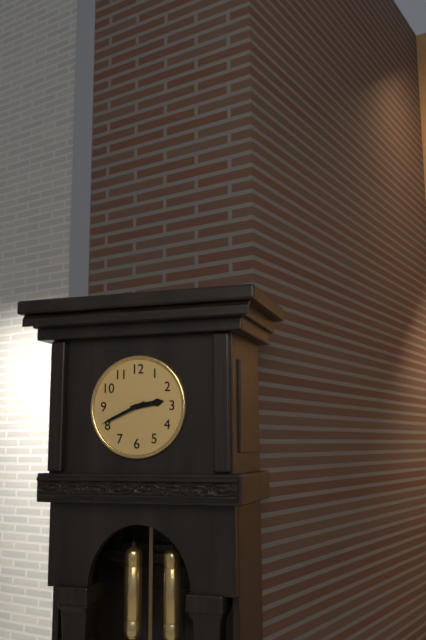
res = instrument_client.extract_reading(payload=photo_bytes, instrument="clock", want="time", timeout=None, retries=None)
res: 2:41
